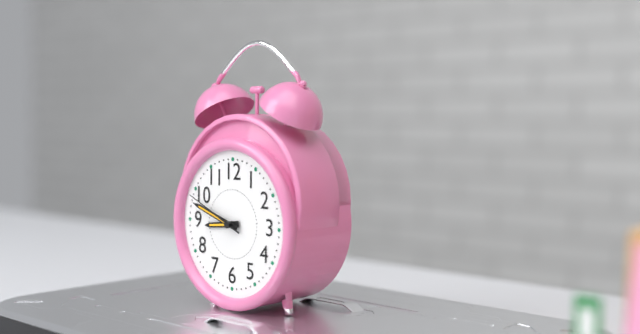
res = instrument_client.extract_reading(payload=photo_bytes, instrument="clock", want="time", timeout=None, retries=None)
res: 8:48:49
